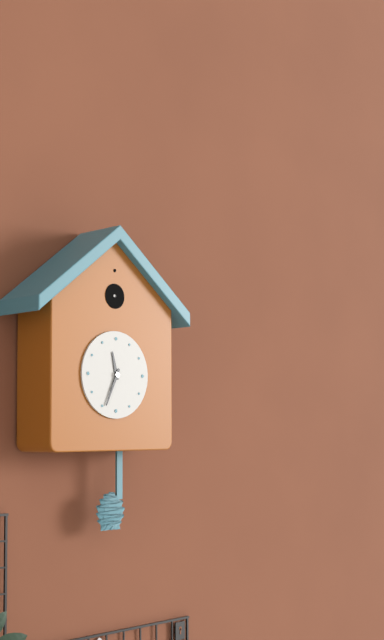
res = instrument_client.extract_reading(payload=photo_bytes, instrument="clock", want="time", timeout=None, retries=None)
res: 11:34
